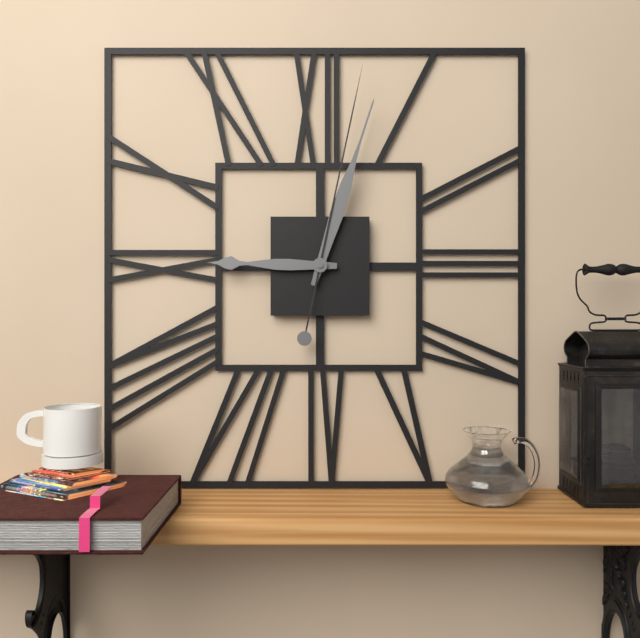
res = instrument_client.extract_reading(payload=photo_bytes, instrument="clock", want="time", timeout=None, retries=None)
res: 9:03:02
